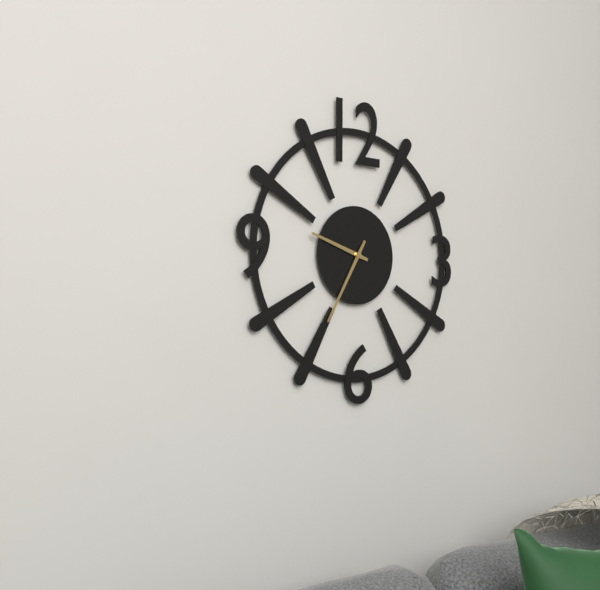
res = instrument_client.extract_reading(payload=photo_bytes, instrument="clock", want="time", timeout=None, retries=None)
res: 9:35
